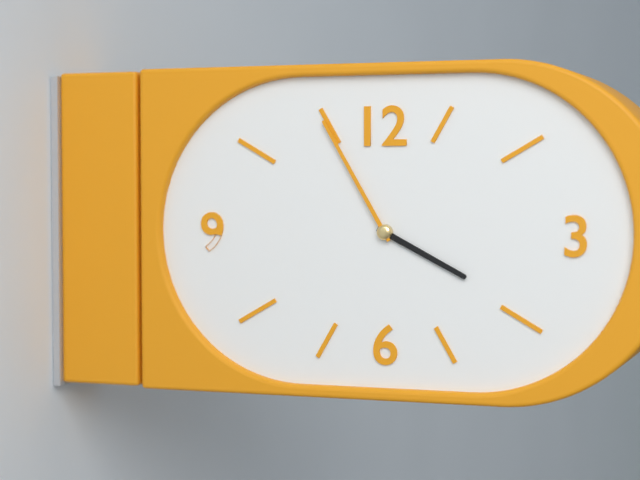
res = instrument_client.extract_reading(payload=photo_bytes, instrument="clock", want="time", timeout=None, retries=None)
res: 3:55
